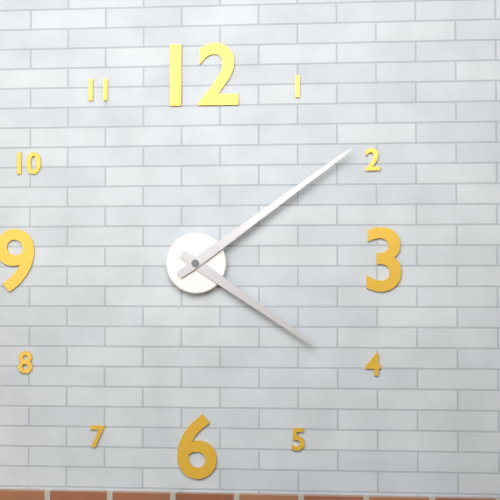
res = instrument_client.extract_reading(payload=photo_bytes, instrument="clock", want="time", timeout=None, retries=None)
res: 4:09
